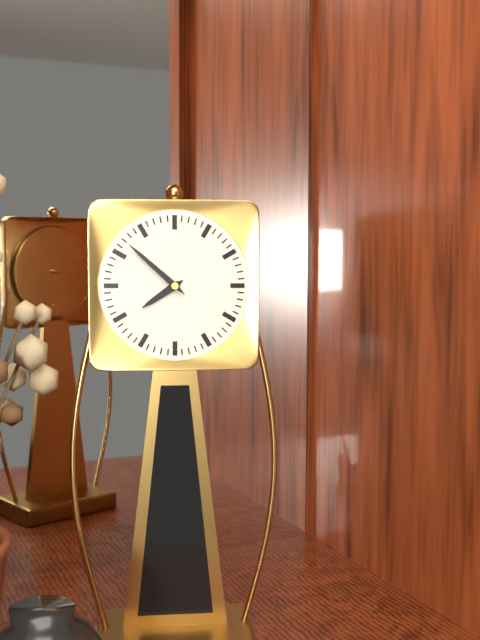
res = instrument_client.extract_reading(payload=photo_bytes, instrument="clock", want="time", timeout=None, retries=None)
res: 7:52
